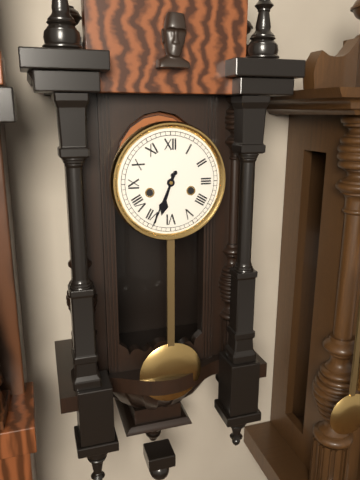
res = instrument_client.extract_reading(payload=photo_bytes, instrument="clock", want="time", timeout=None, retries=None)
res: 6:34
